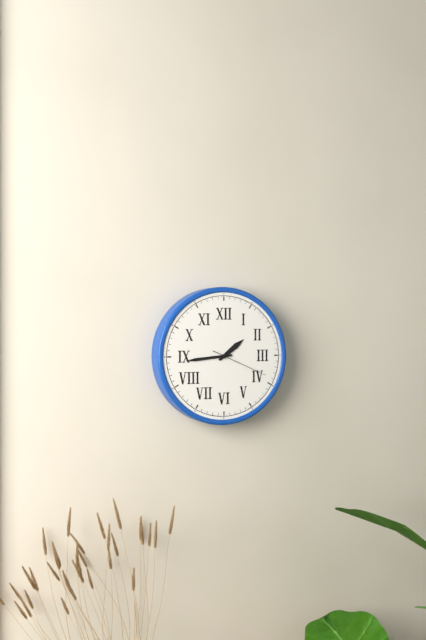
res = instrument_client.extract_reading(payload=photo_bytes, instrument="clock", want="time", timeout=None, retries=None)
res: 1:44:19
